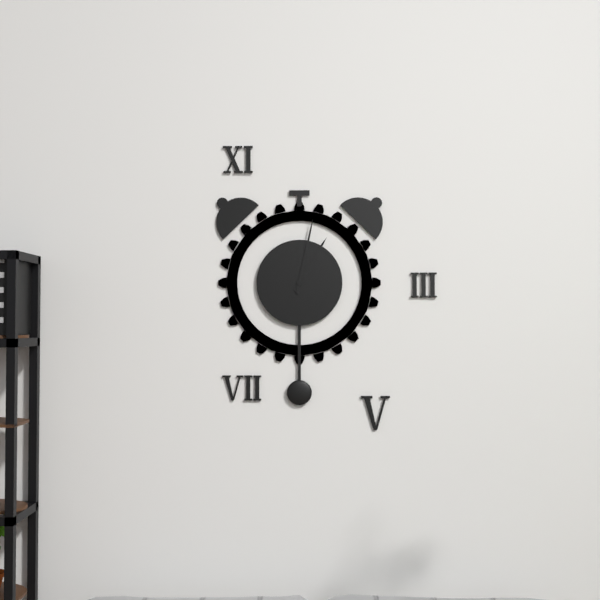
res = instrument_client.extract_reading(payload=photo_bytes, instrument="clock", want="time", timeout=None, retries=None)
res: 1:02
